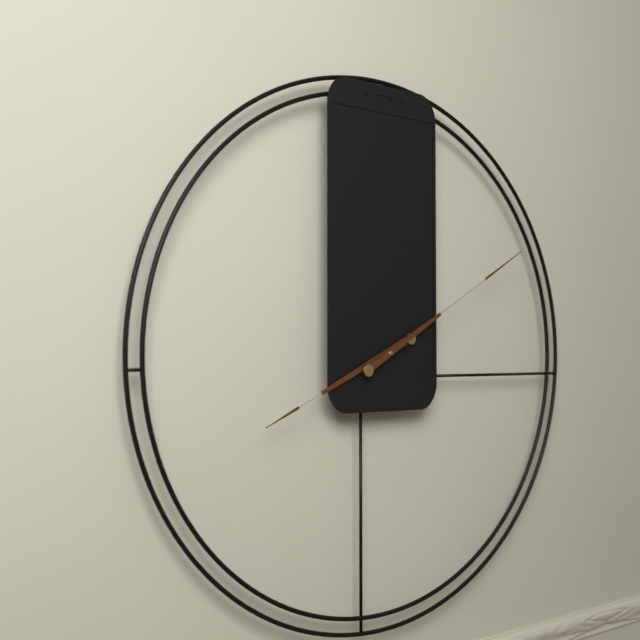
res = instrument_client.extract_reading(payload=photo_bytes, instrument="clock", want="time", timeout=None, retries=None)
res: 8:10
